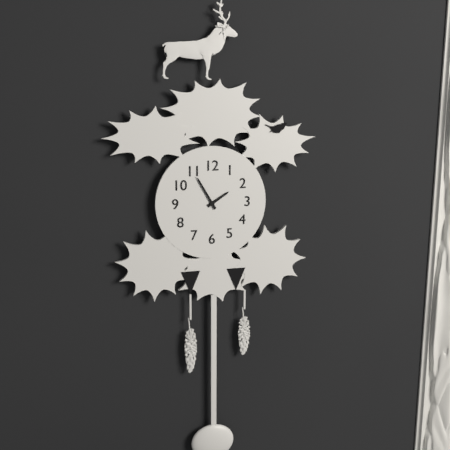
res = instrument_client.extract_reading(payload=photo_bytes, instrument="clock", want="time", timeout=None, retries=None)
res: 1:55
